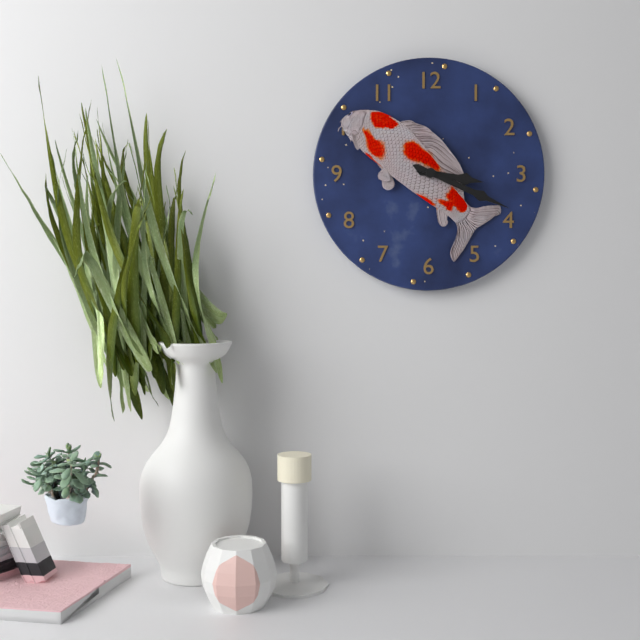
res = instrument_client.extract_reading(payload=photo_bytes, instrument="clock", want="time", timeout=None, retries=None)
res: 3:19
